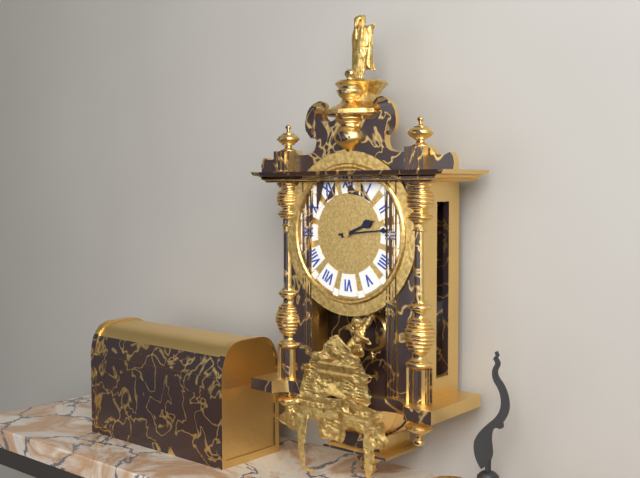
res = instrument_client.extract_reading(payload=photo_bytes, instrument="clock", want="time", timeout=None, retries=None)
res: 2:14
